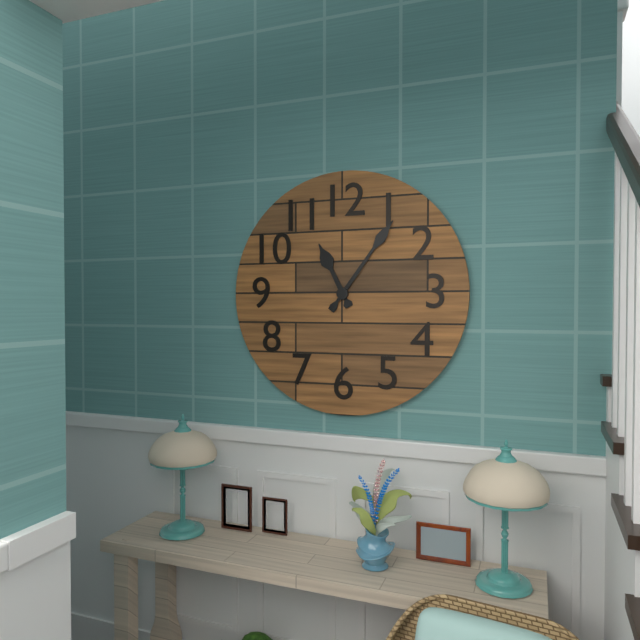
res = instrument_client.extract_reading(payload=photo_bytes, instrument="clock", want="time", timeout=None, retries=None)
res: 11:06
